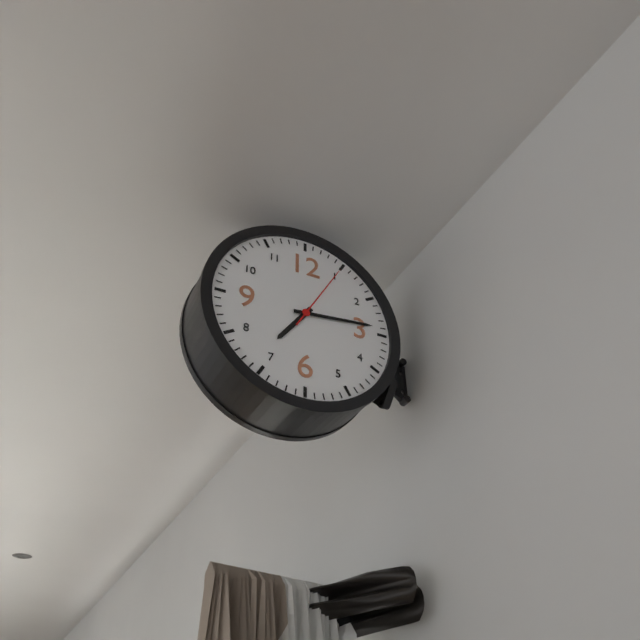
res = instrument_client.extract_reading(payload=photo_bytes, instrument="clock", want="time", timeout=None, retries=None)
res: 7:14:05
